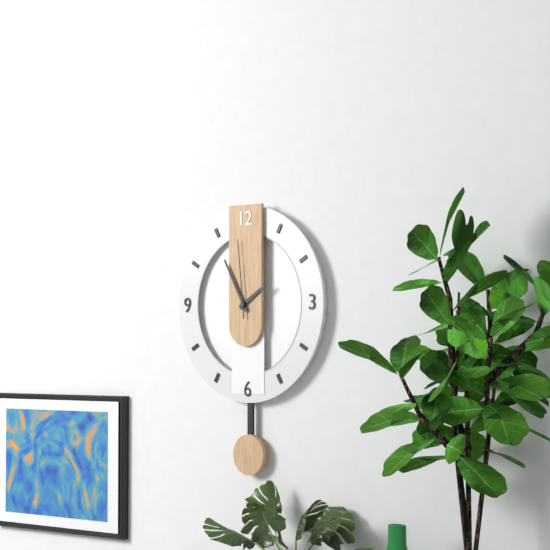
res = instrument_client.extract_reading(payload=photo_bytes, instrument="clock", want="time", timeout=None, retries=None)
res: 1:55:59
